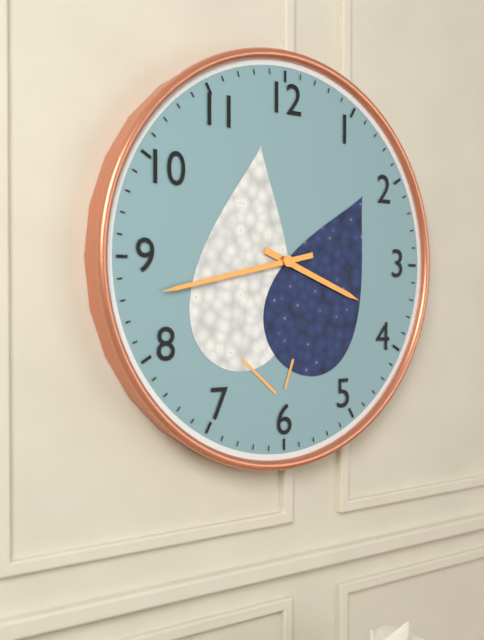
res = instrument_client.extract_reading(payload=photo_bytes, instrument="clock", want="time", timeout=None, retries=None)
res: 3:43
